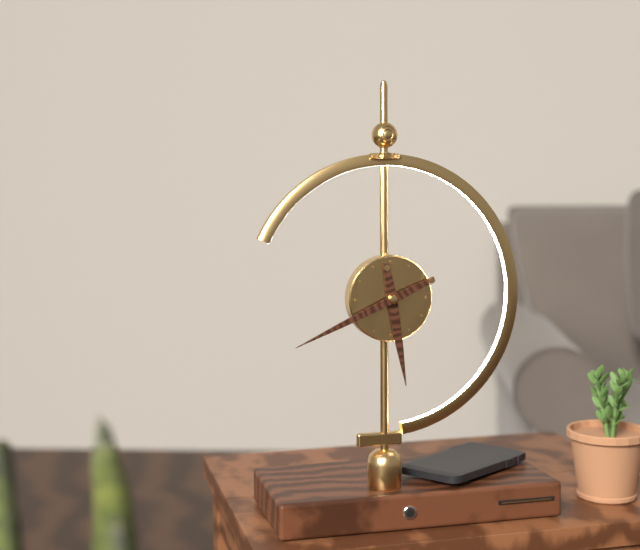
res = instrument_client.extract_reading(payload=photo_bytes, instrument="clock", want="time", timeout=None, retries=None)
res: 5:41
